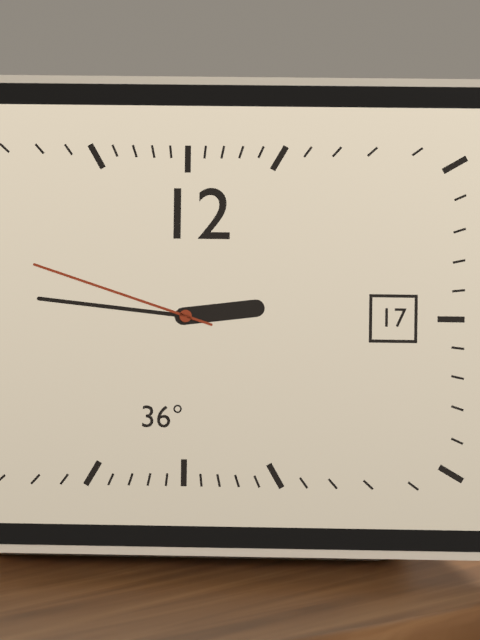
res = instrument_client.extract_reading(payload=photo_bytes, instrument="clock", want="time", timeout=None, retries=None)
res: 2:46:48
